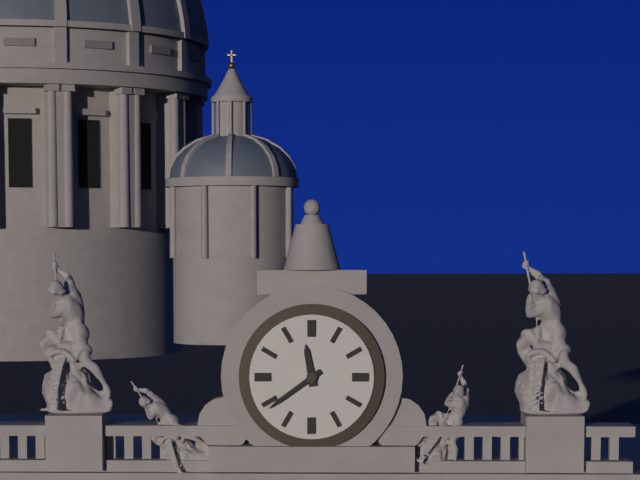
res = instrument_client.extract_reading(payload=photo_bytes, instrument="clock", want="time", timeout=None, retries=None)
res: 11:39
